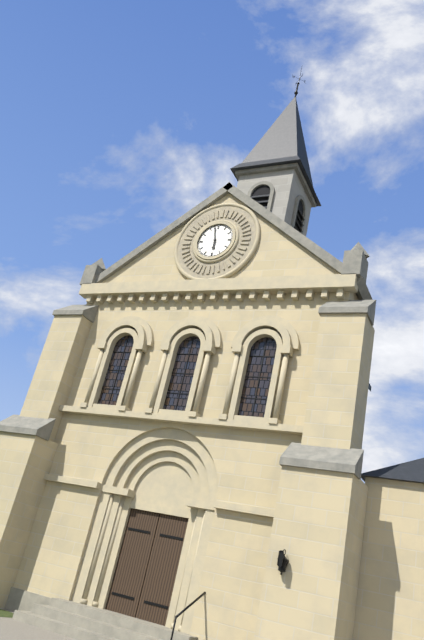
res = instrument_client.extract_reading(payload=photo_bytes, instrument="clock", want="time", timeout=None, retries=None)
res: 5:58
